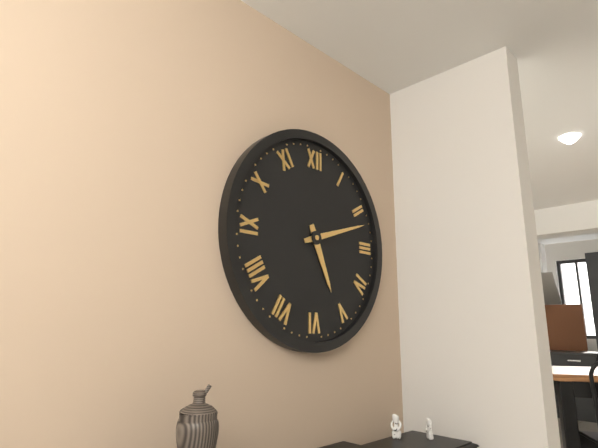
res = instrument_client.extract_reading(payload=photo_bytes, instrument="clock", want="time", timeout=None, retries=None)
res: 5:12
